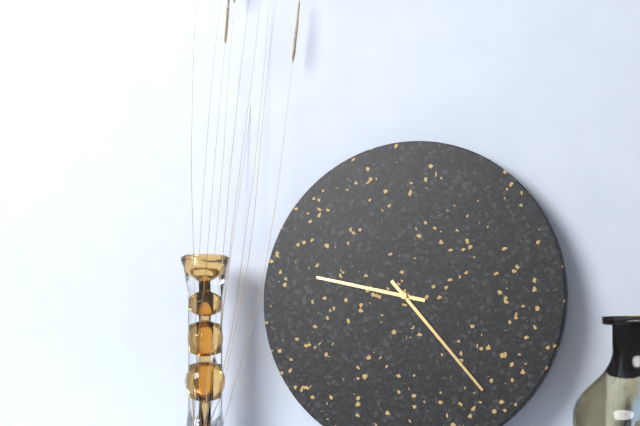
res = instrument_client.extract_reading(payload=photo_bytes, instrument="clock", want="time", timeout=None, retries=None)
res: 9:23
